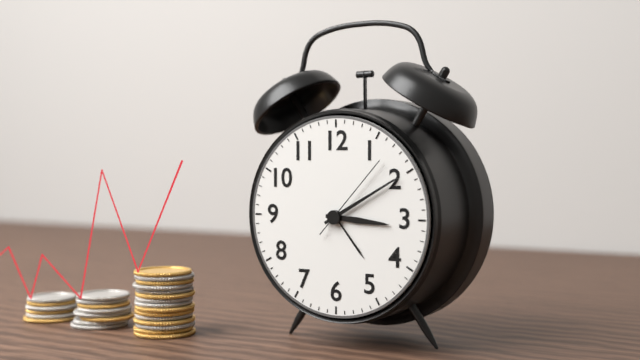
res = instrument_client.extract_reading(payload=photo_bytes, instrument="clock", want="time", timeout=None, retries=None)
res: 3:10:07
